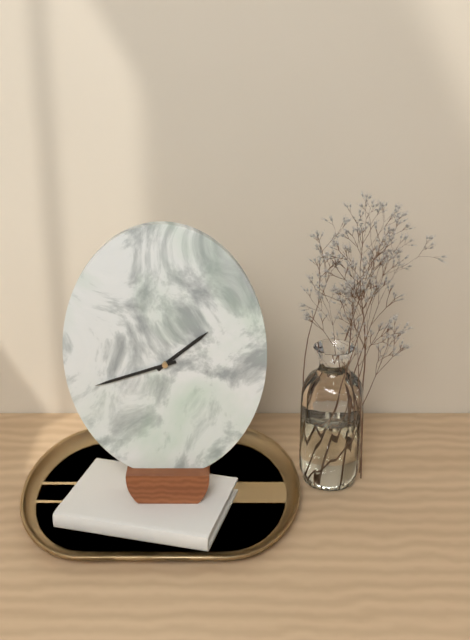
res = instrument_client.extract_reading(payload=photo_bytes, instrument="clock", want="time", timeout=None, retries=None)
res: 1:42
